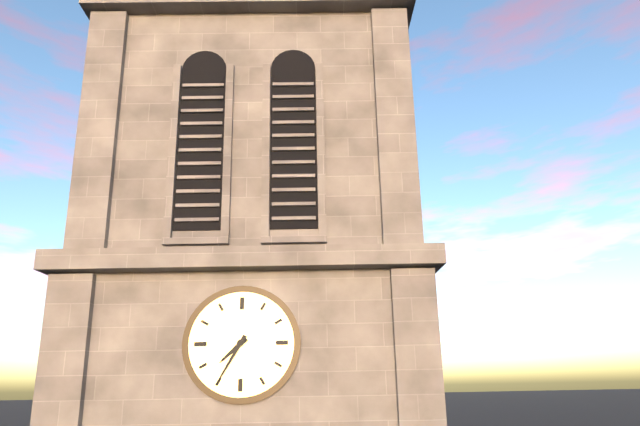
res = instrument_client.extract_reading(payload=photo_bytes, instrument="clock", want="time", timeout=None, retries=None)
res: 7:35
